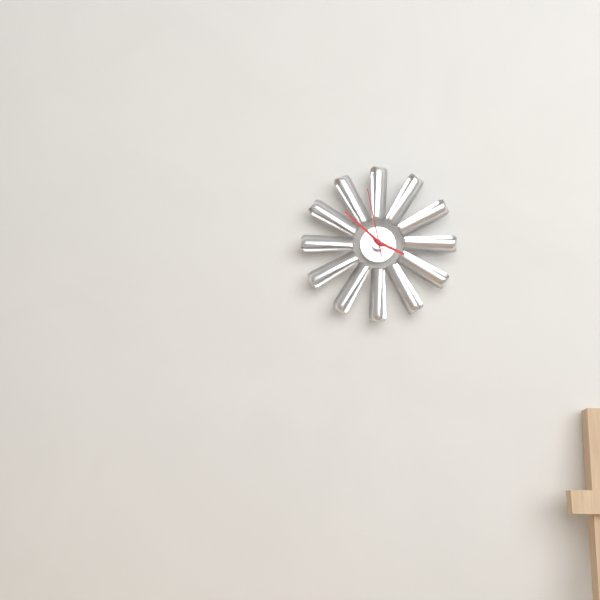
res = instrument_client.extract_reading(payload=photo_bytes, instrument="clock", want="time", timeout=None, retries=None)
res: 3:52:58
